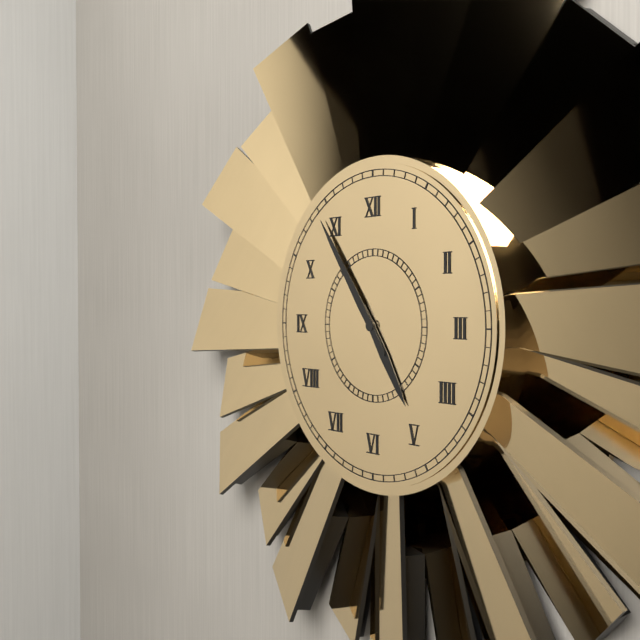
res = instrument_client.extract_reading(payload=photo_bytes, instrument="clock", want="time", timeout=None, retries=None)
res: 4:54
